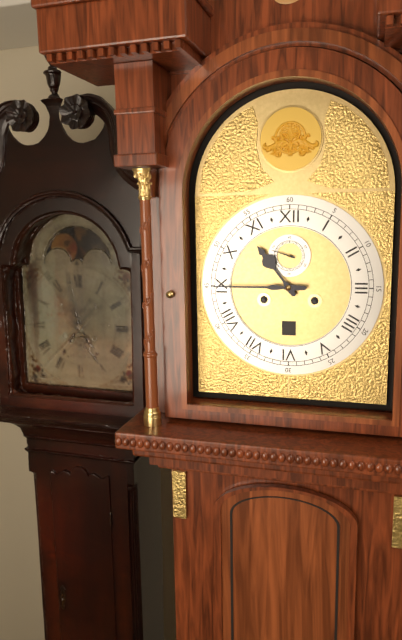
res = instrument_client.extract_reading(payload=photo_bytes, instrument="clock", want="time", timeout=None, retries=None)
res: 10:45
